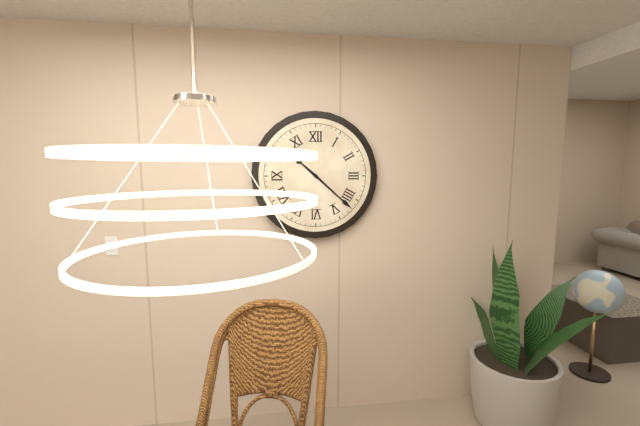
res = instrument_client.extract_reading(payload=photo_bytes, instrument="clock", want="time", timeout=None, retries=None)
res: 10:22
